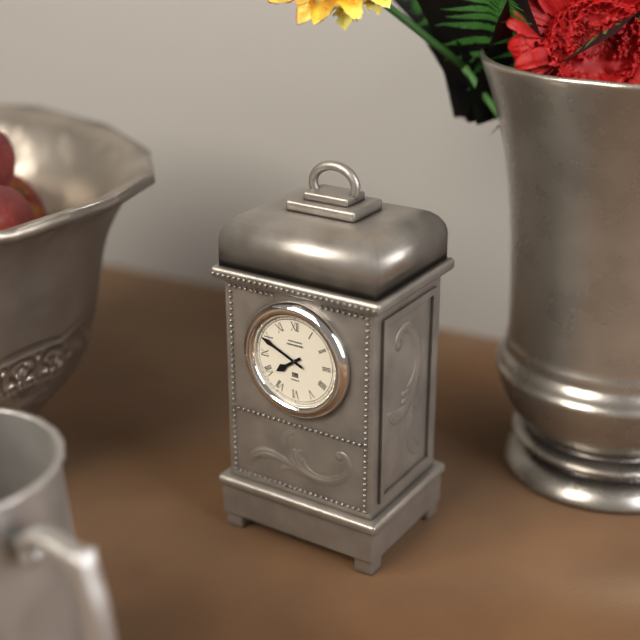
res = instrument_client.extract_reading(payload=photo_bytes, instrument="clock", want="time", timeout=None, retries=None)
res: 7:49
